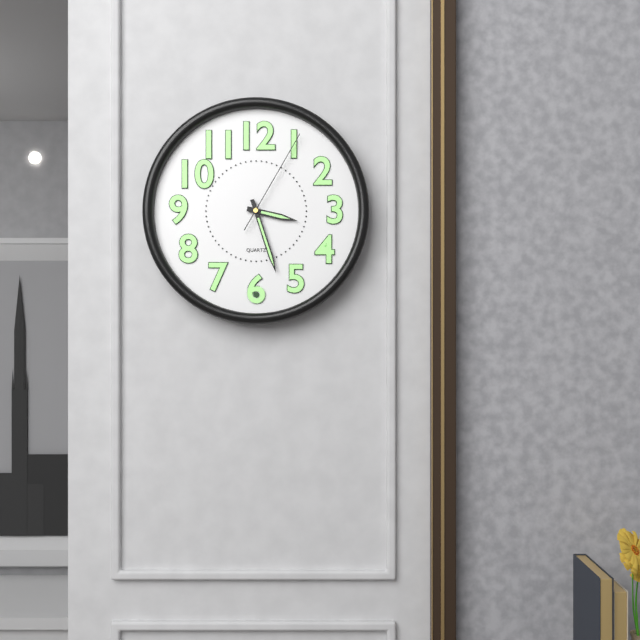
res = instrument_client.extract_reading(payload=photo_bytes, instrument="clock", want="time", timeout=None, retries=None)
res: 3:27:05
